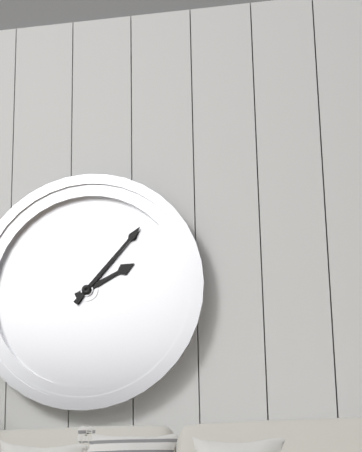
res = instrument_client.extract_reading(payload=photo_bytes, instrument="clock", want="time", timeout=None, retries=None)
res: 2:07
